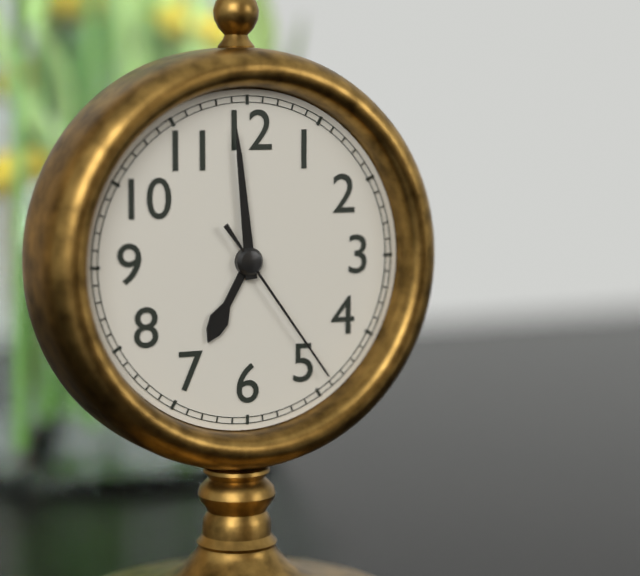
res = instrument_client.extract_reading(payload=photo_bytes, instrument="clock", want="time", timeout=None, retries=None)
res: 6:59:24
